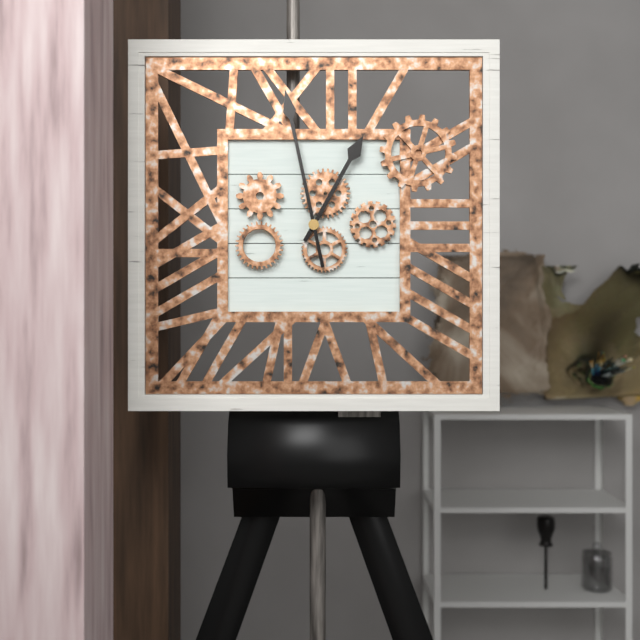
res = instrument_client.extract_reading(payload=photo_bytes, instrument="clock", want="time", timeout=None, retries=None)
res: 12:58
